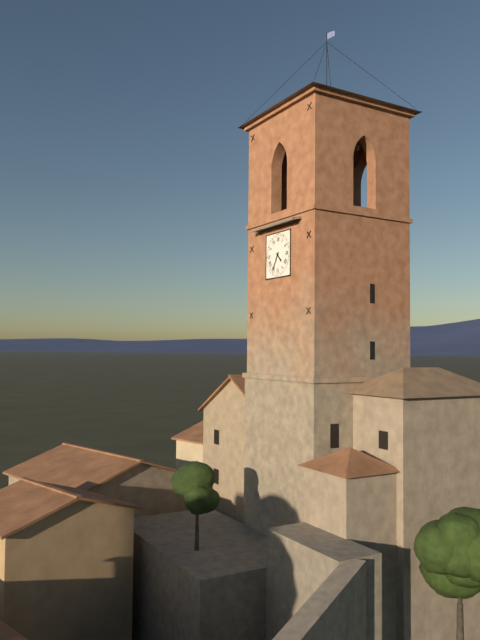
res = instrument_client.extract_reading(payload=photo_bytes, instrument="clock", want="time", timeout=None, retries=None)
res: 4:35
